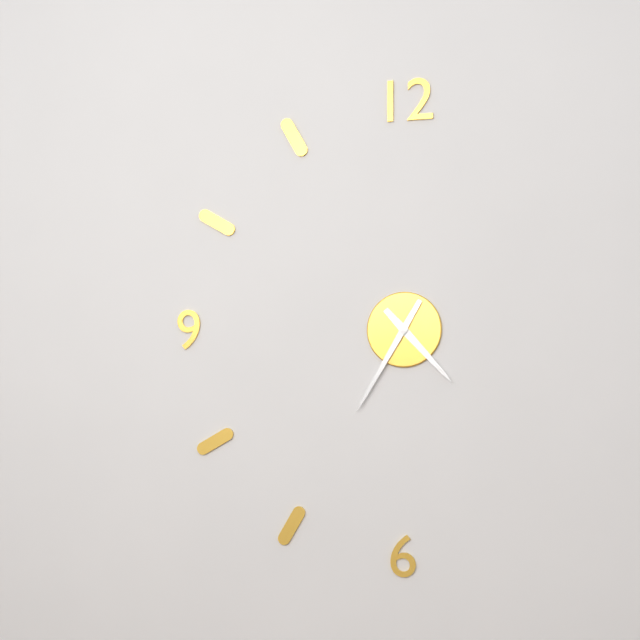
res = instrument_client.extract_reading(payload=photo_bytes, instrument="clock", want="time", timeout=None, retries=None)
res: 4:35
